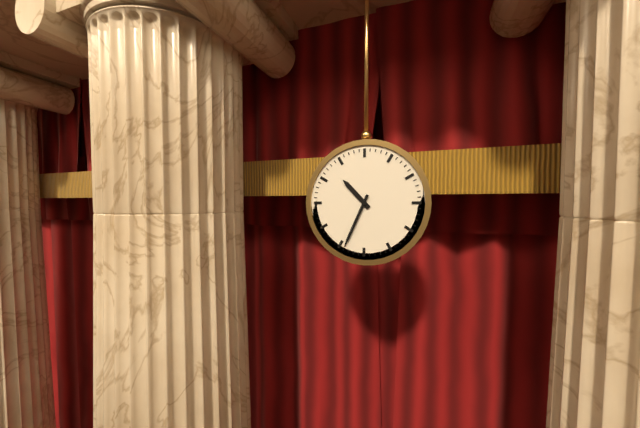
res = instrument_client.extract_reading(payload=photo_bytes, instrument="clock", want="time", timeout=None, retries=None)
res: 10:34
